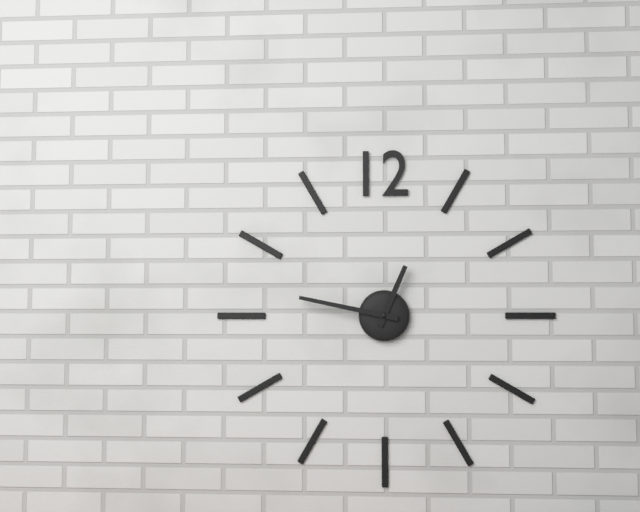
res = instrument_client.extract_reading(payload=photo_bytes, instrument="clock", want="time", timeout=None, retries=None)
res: 12:47
